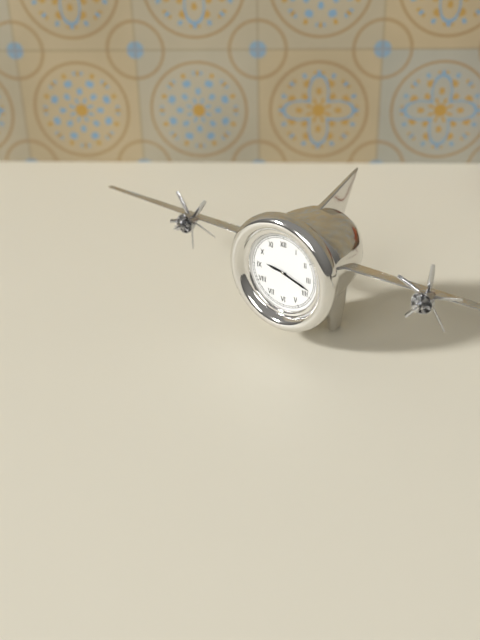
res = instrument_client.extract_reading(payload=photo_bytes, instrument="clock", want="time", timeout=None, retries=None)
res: 9:18
